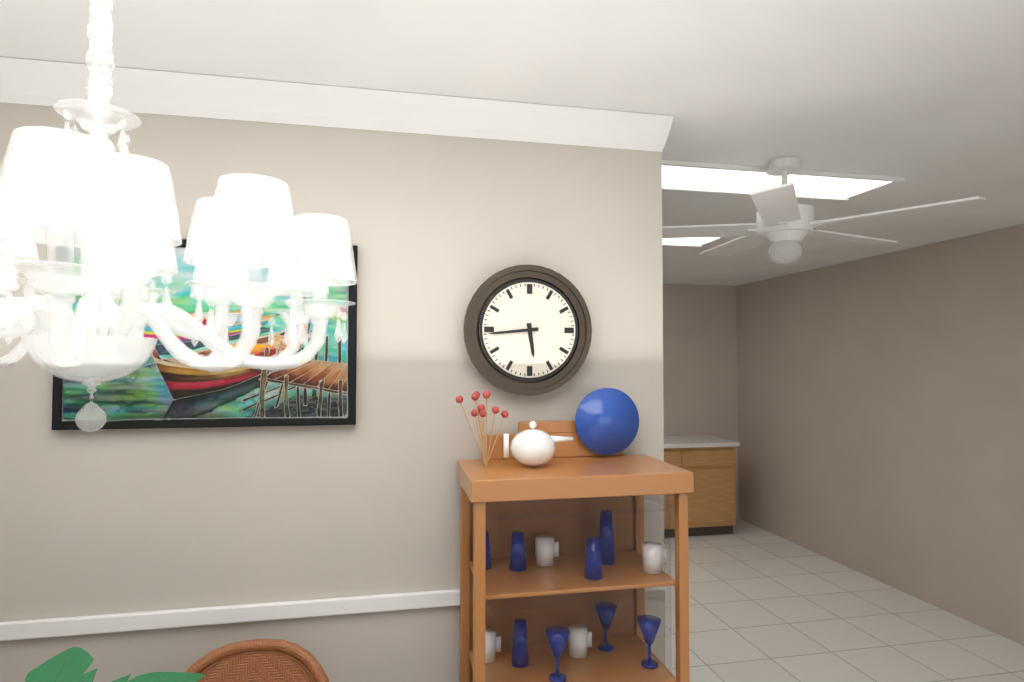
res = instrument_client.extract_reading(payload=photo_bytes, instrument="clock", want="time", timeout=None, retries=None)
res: 5:44
